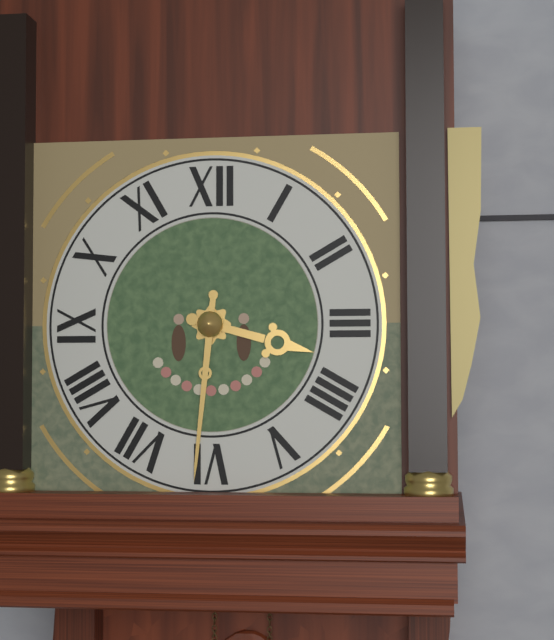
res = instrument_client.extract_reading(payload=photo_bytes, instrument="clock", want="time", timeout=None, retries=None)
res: 3:31
